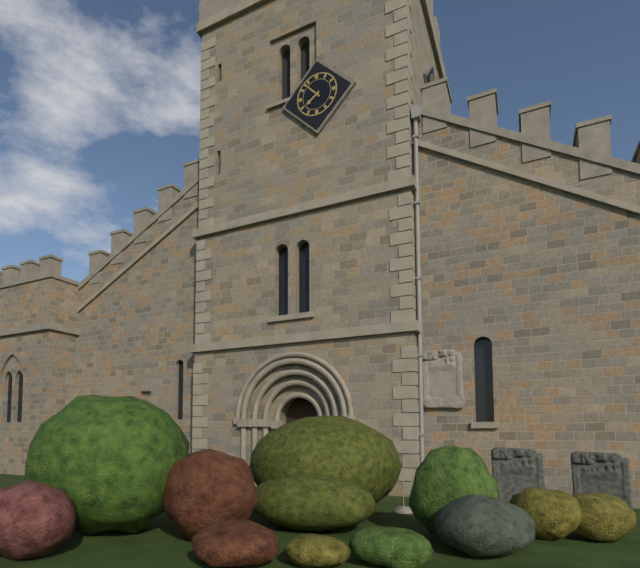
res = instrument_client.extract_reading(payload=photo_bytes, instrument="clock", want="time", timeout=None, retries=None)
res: 7:53
